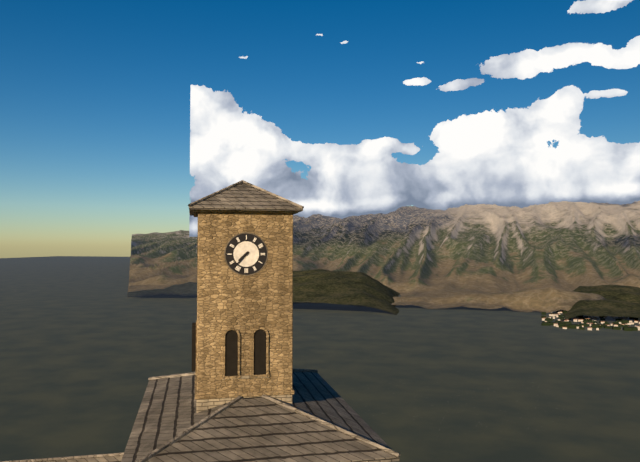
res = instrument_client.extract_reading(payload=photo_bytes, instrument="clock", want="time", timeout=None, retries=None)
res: 7:37
